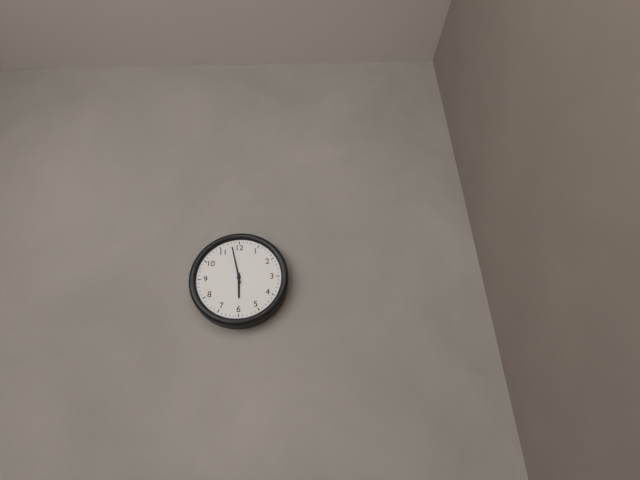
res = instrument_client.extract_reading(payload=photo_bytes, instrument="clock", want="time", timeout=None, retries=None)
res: 5:58
